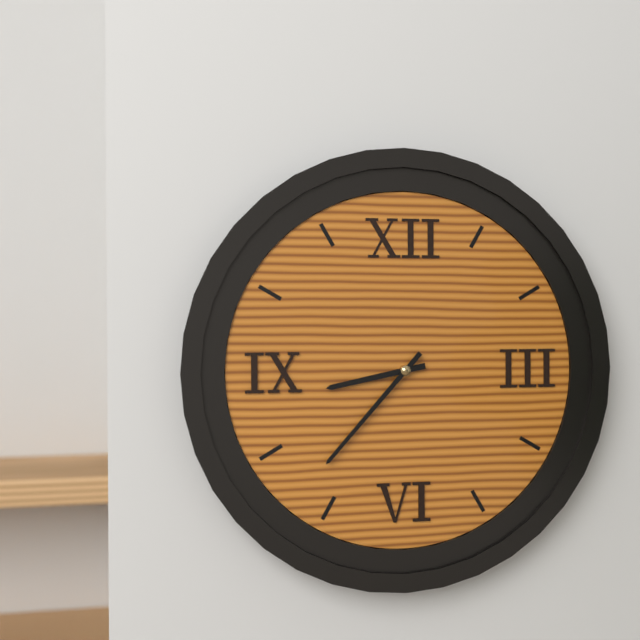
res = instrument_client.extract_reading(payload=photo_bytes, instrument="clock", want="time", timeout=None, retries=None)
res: 8:37
